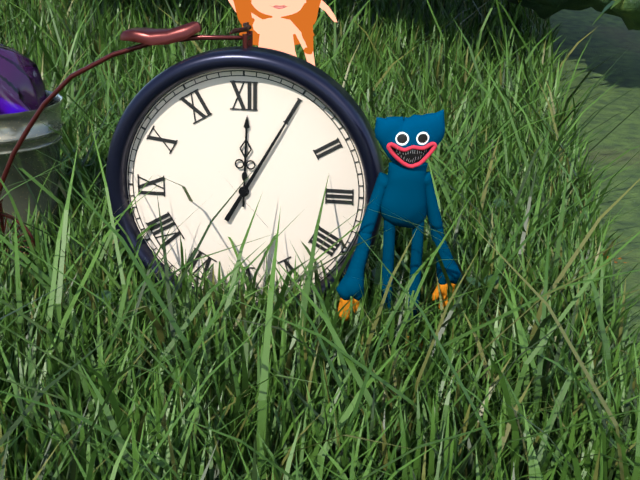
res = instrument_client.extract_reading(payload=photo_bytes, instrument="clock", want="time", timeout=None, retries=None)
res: 12:05
